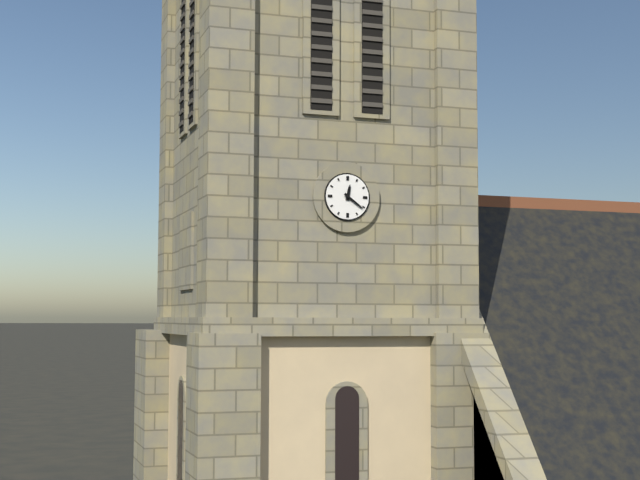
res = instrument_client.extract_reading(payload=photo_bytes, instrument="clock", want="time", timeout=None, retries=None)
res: 12:21
